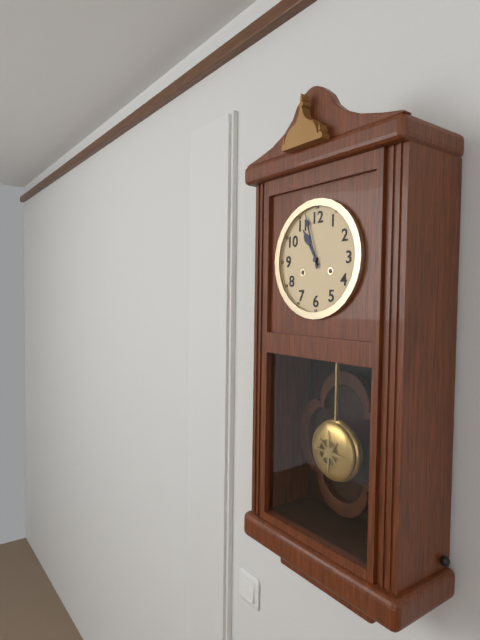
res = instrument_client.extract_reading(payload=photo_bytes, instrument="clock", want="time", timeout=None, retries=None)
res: 10:57
